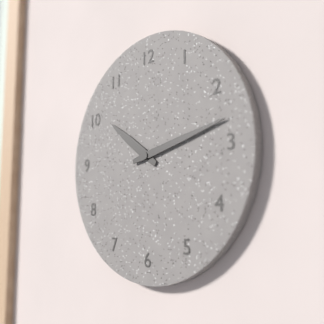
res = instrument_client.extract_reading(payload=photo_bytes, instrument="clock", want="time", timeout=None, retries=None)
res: 10:13
